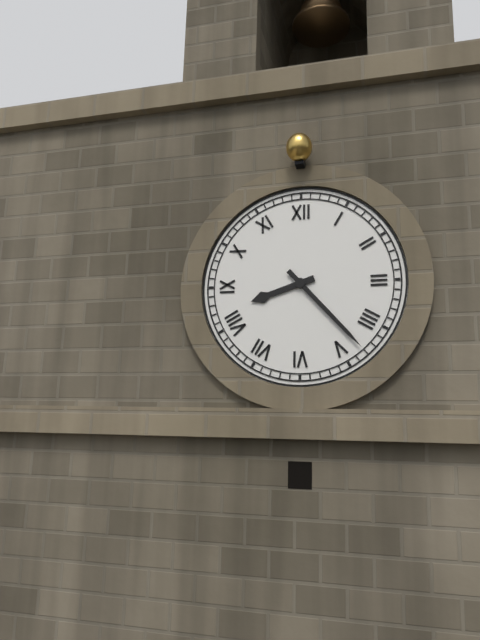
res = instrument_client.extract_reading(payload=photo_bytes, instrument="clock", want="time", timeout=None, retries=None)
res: 8:23
